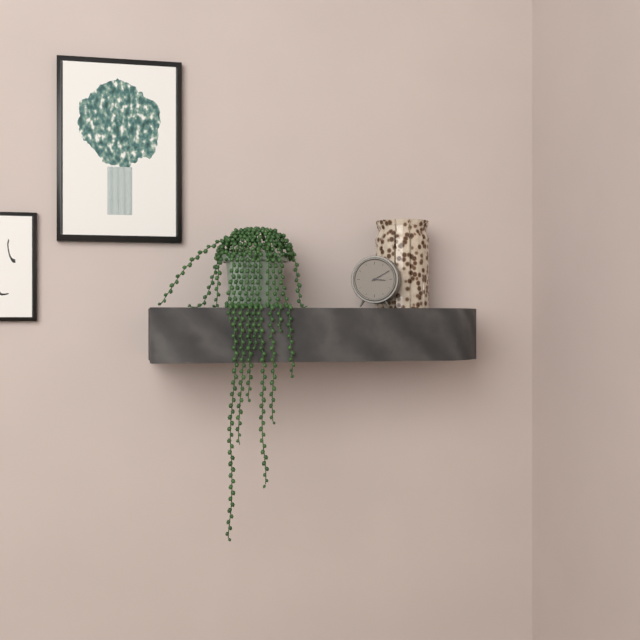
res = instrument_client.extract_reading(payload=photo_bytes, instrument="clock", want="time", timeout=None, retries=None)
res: 3:10
